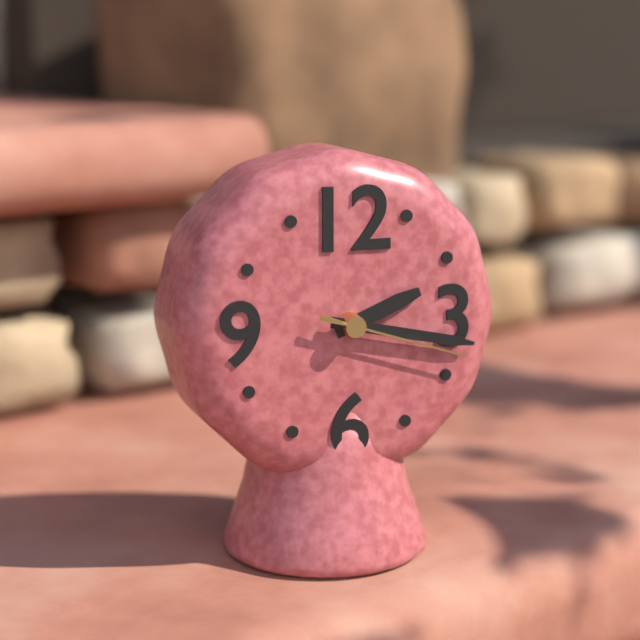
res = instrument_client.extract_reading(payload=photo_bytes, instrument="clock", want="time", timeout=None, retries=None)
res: 2:17:18
